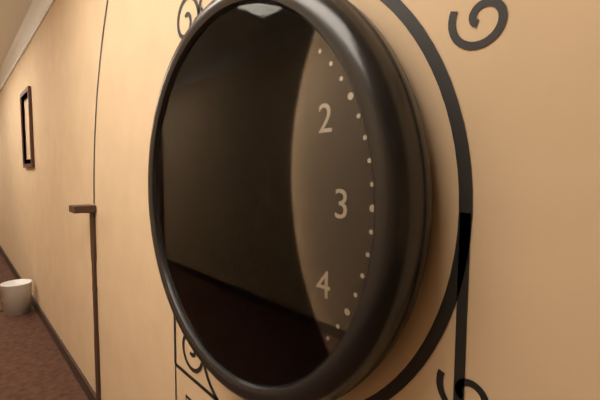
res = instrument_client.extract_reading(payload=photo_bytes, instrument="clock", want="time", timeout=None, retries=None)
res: 7:57
